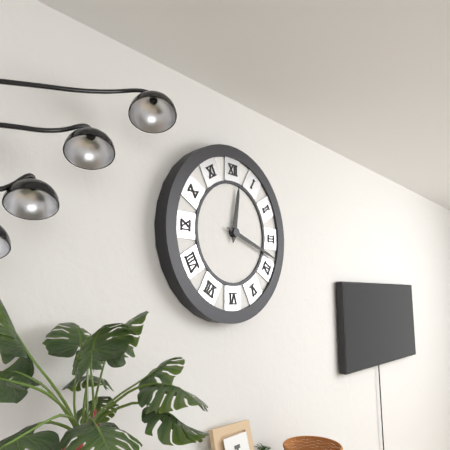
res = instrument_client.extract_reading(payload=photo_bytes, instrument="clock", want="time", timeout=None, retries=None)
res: 12:18
